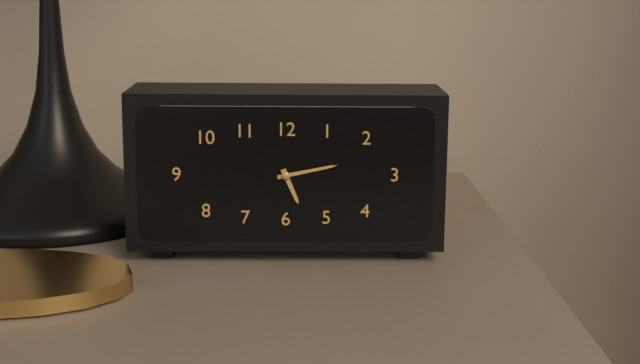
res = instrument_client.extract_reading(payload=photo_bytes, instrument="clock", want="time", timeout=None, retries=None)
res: 5:13
